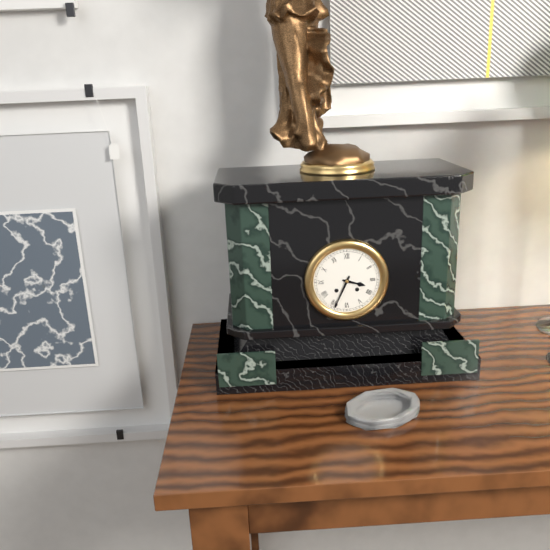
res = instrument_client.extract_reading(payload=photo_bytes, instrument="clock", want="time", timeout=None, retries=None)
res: 3:34
